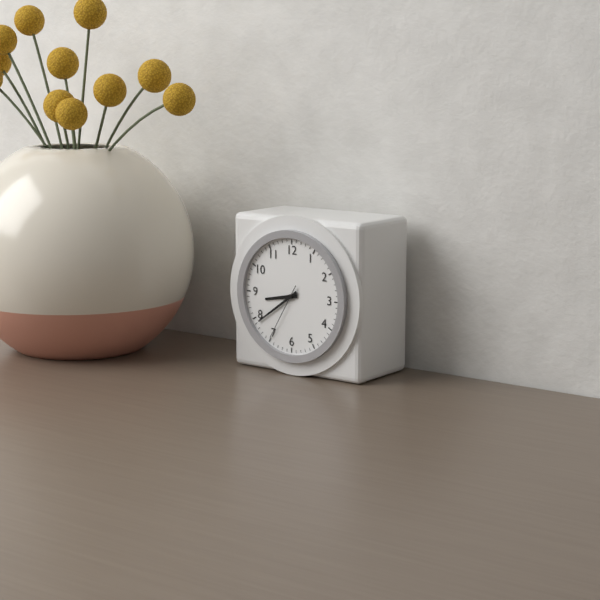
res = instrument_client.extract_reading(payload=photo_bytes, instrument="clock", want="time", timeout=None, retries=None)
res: 8:39:35
